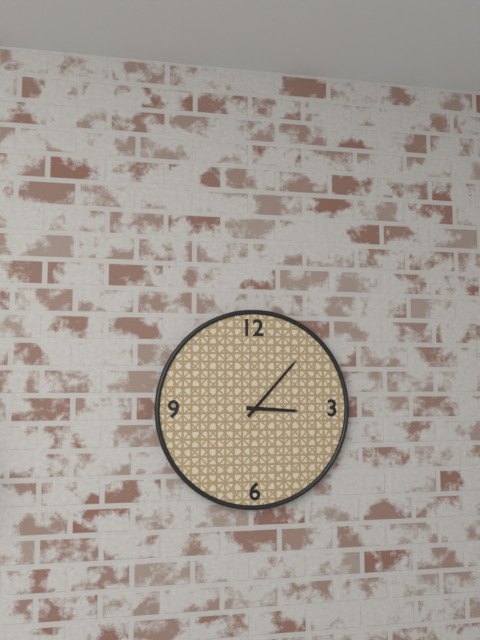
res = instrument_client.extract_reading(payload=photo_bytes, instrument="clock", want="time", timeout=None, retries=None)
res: 3:07
